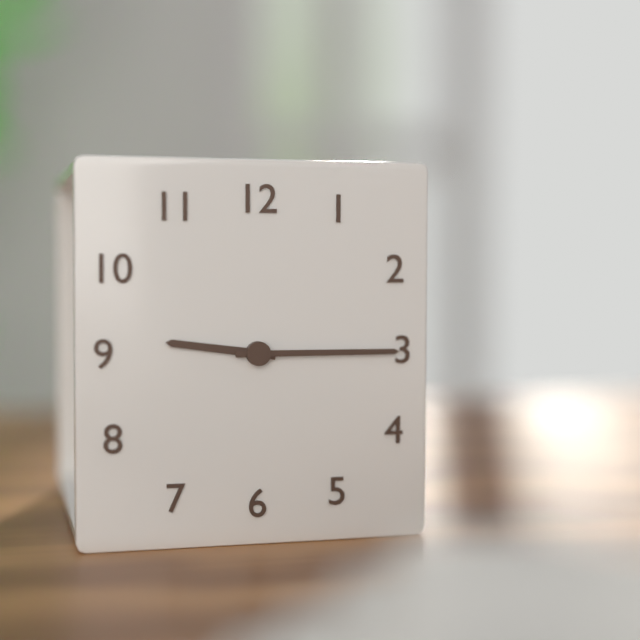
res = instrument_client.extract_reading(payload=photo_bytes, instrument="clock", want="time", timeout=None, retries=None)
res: 9:15
